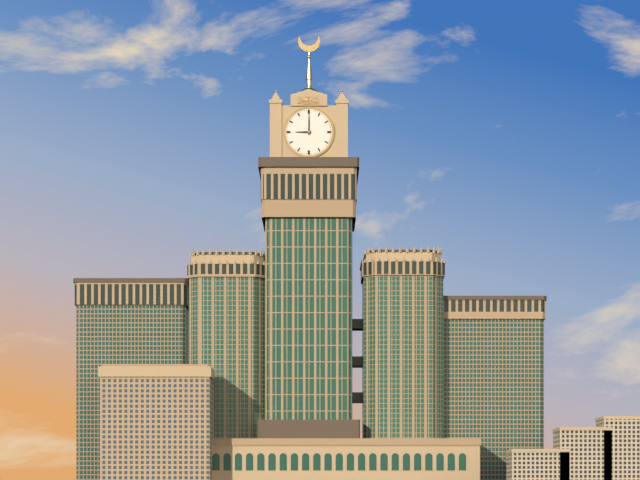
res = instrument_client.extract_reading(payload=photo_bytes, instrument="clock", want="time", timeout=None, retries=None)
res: 9:00
